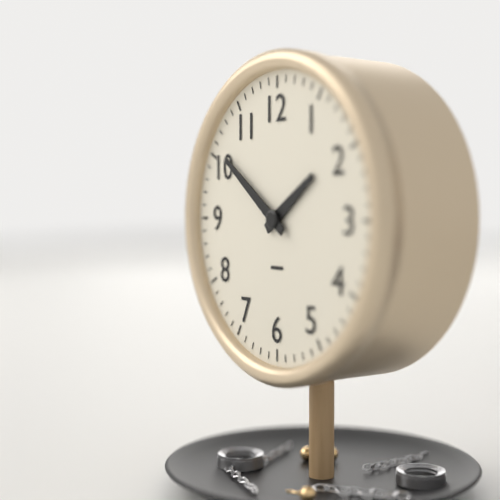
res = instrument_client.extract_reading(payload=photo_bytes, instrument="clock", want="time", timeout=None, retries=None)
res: 1:51
